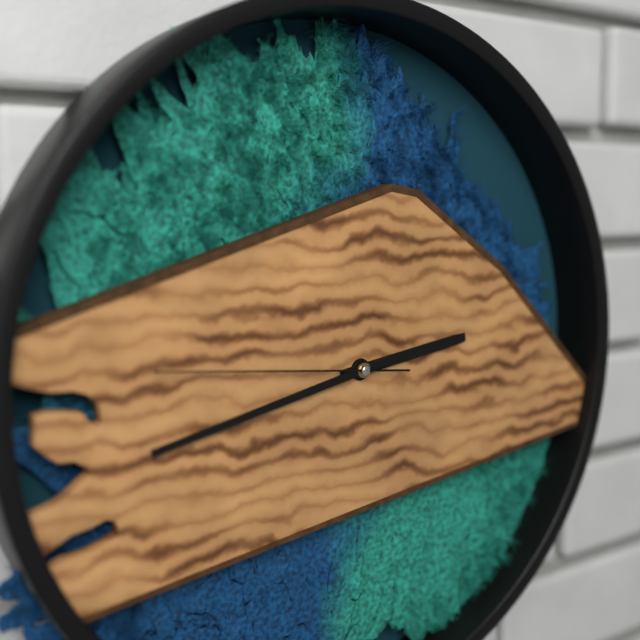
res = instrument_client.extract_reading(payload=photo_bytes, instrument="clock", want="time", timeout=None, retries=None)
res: 2:43:46
